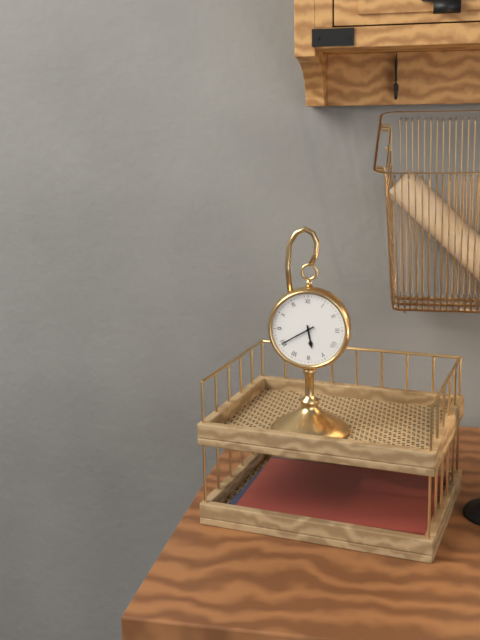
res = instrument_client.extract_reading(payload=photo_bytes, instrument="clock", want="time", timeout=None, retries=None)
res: 5:40
